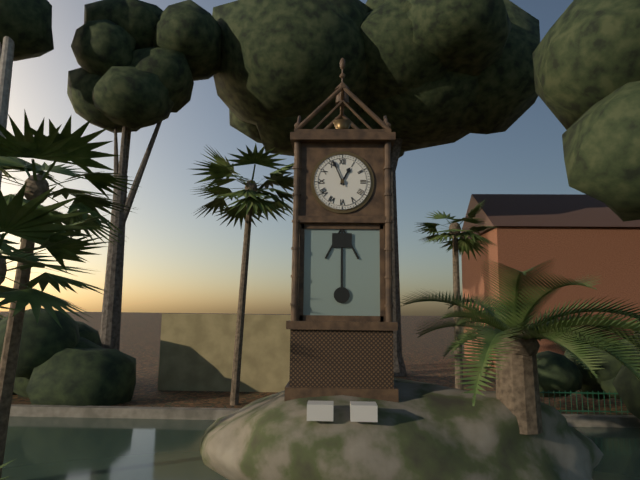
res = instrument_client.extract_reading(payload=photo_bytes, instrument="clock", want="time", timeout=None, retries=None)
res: 12:56
